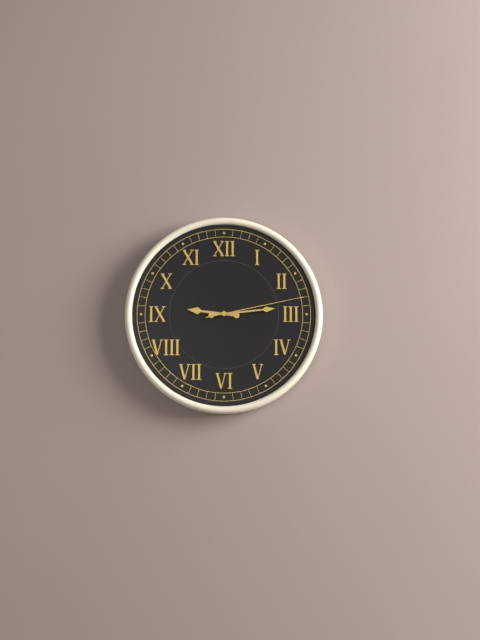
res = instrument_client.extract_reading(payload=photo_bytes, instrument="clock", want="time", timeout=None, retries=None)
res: 9:14:13
